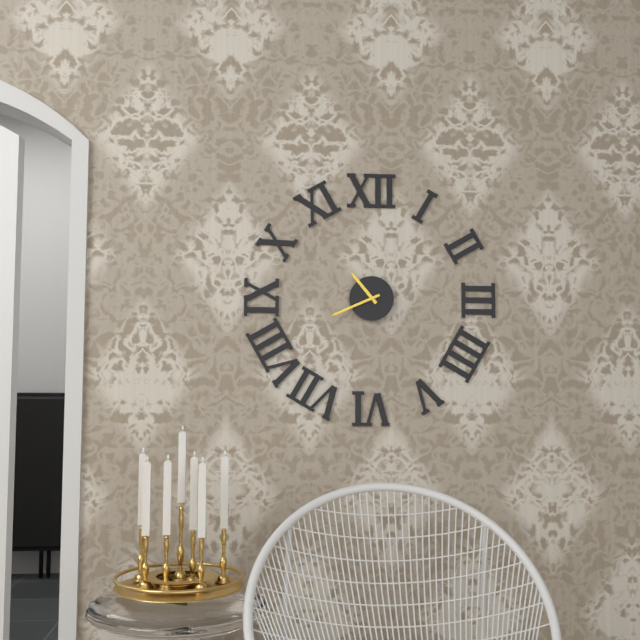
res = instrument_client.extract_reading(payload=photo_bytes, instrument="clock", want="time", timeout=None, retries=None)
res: 10:41
